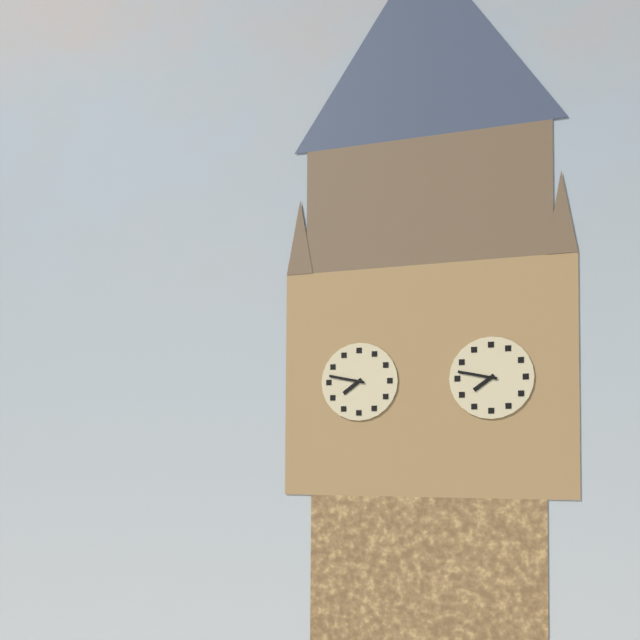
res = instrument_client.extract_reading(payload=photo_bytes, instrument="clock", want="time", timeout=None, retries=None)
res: 7:47
